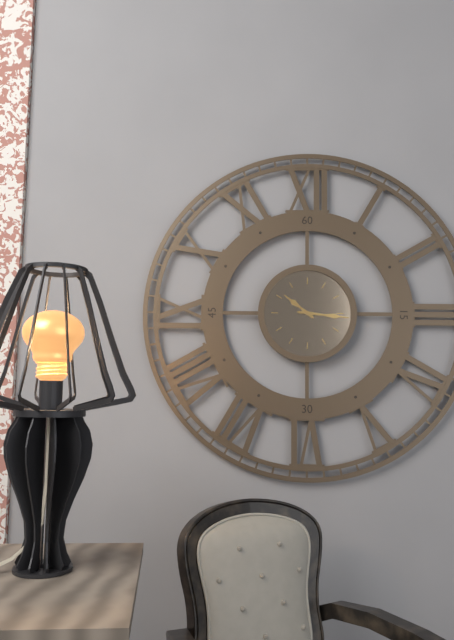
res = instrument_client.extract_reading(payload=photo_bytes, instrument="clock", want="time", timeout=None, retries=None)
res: 10:16
